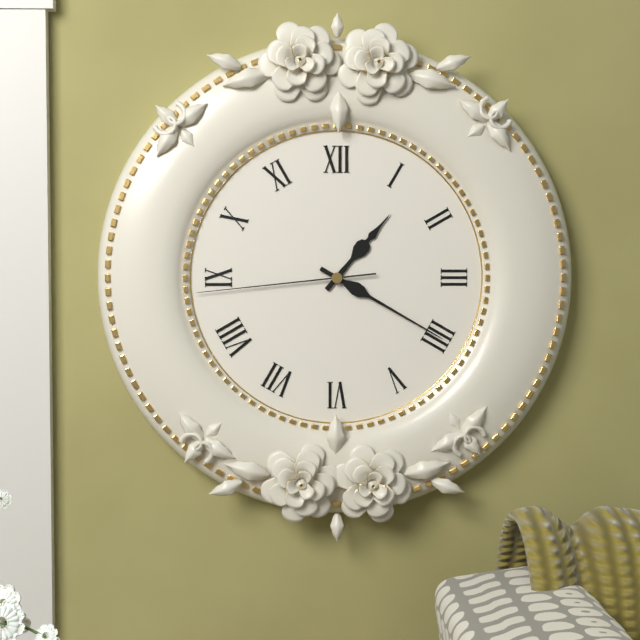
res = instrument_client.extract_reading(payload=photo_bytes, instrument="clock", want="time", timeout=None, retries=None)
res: 1:20:44
